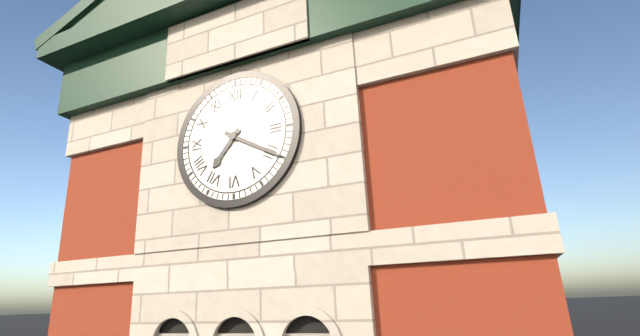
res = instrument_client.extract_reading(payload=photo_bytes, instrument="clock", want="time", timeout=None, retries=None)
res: 7:20
